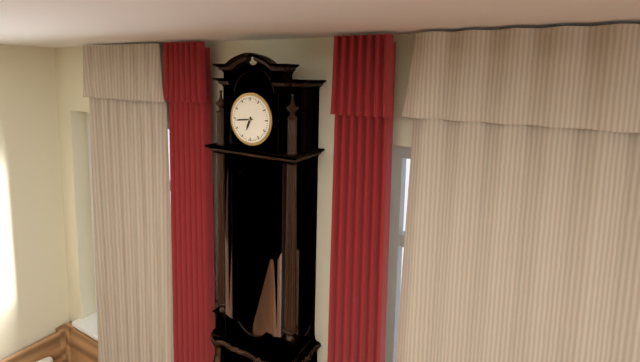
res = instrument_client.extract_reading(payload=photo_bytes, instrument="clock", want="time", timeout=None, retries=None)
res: 6:44
